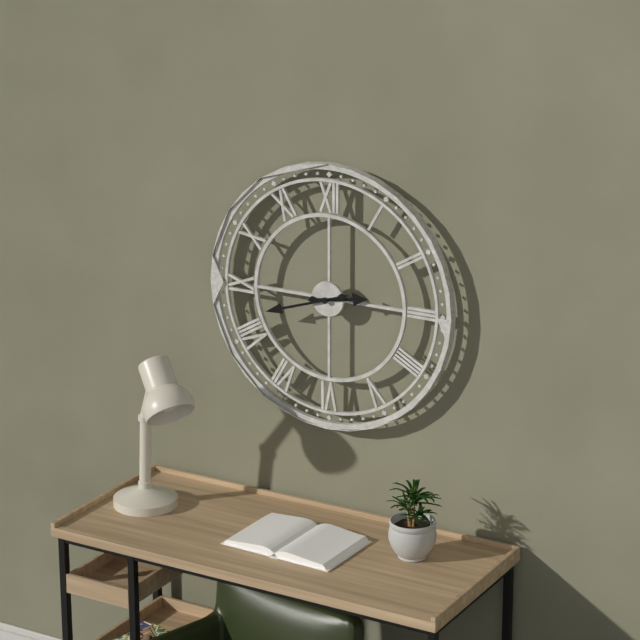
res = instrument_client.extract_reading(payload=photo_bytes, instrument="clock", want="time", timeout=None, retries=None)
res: 2:42
